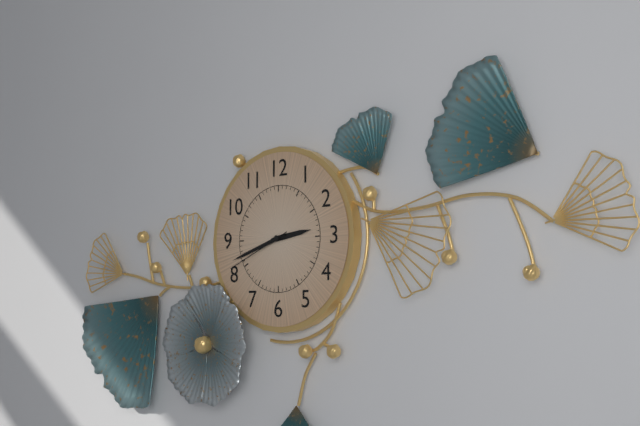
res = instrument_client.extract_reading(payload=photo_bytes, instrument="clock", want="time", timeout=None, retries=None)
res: 2:42:41
